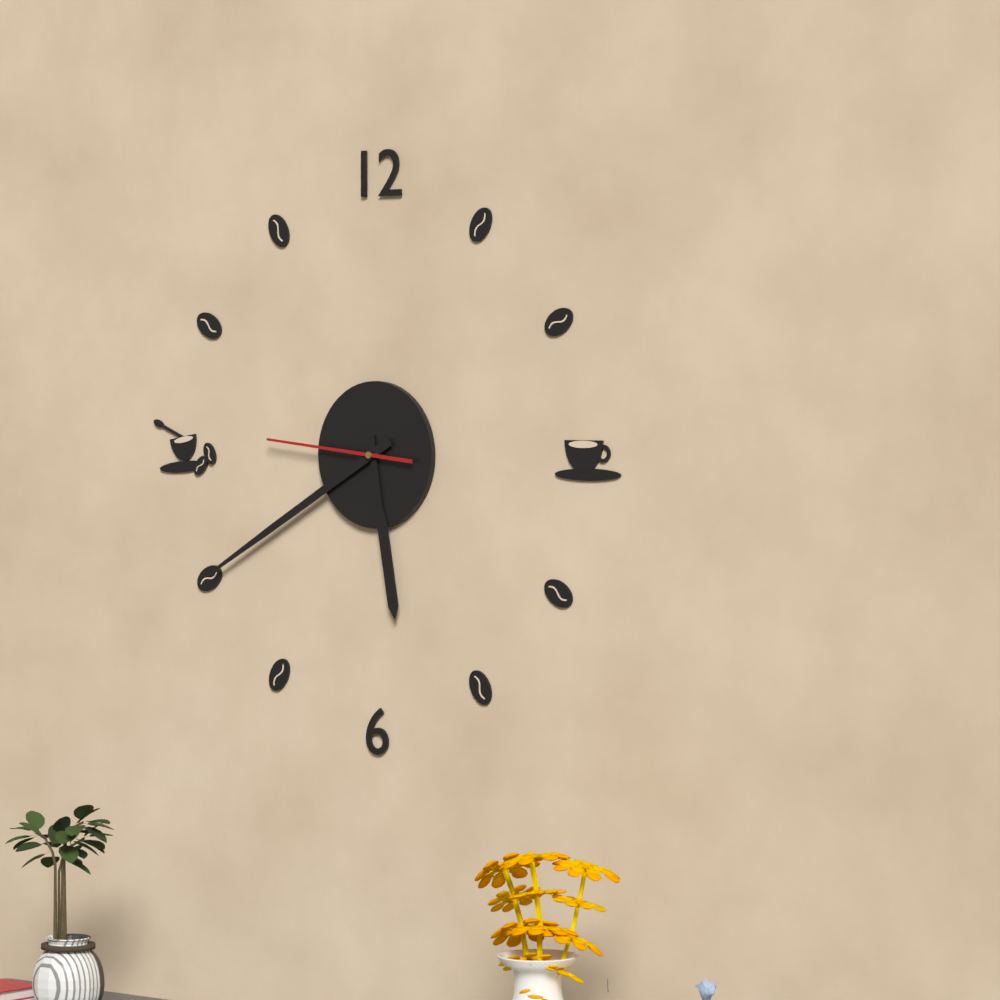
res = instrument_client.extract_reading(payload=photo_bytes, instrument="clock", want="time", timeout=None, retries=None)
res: 5:40:46
